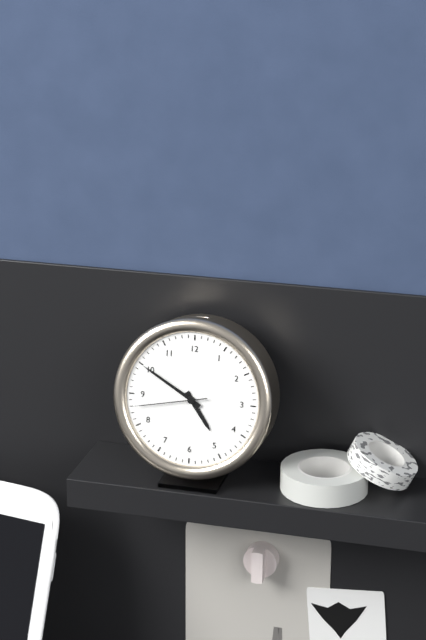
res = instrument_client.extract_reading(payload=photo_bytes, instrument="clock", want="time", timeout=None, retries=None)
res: 4:50:43
